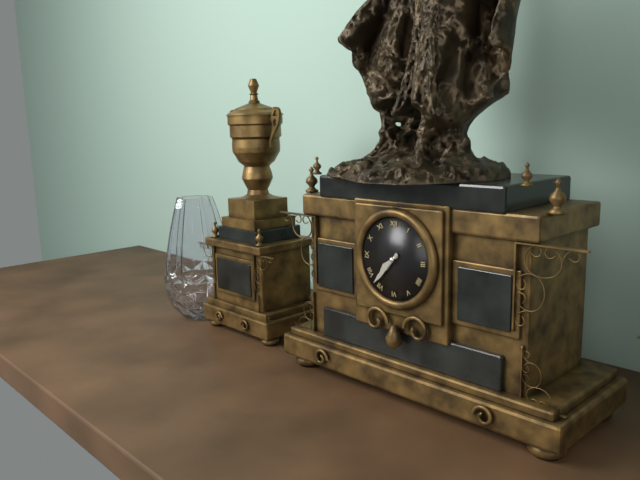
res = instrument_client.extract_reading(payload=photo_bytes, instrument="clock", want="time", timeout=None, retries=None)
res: 7:37
